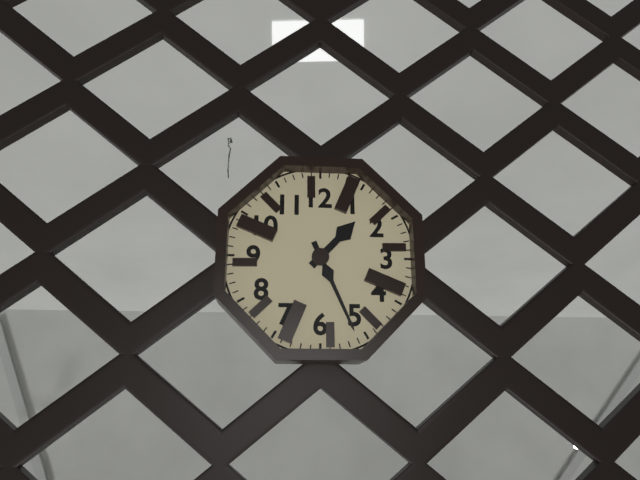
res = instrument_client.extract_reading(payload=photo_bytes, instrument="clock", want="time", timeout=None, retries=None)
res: 1:26
